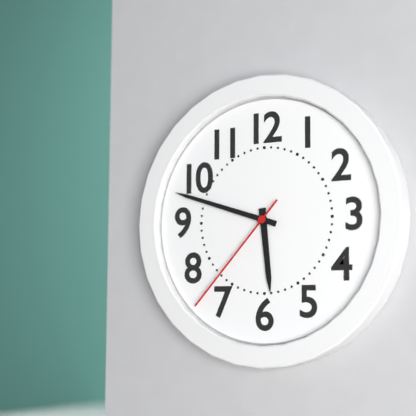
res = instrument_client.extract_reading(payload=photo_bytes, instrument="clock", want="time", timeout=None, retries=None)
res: 5:48:37
